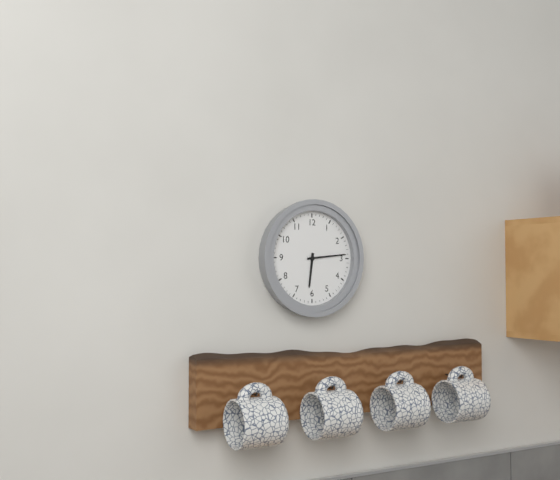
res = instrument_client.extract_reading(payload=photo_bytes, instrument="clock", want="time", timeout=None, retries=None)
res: 6:14
